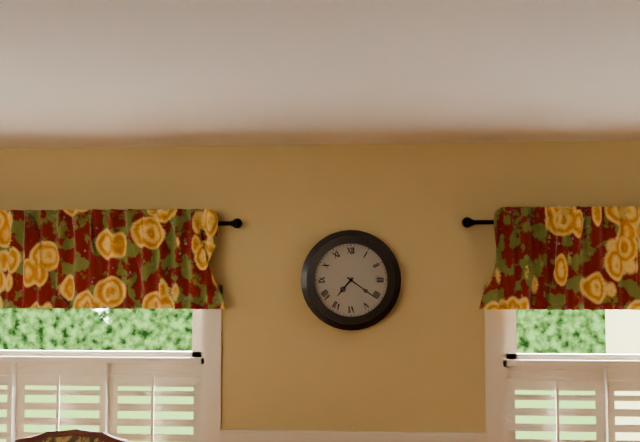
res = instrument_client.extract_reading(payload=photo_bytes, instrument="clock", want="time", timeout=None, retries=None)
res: 7:21
